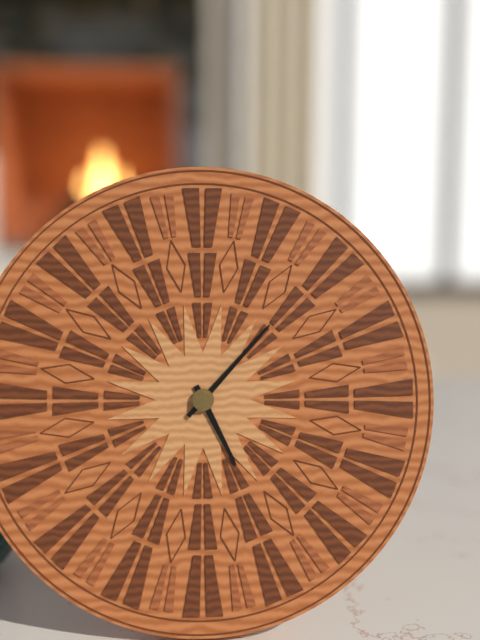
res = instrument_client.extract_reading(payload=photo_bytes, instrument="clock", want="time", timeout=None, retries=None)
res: 5:07
